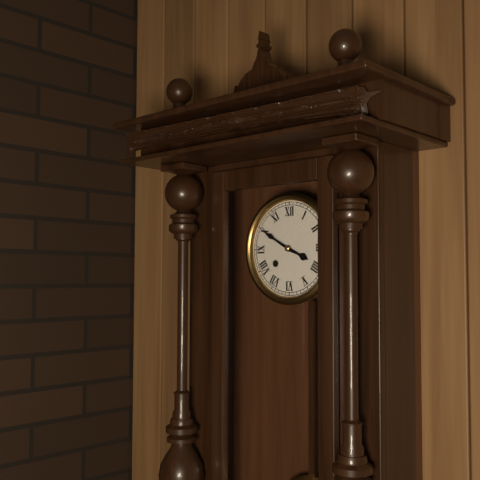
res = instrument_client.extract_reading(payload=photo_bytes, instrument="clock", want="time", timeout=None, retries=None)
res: 3:50
